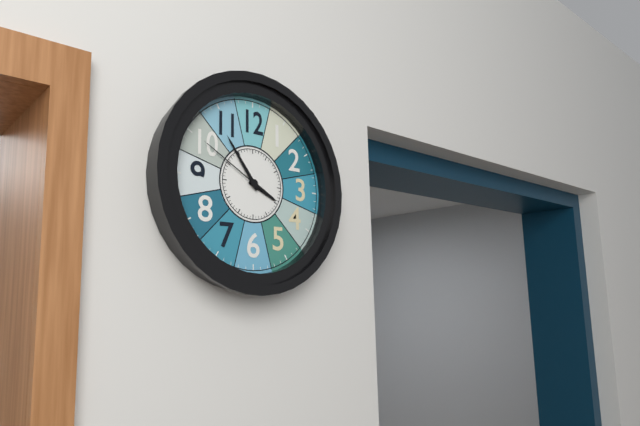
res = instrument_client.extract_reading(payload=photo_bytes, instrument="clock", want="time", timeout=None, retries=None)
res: 3:54:50
